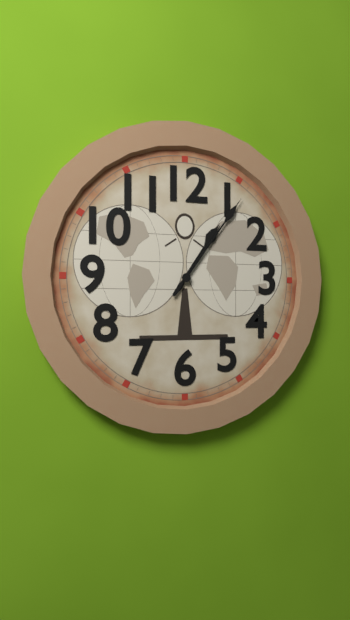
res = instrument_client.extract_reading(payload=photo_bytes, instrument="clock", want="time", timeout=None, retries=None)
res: 1:06
